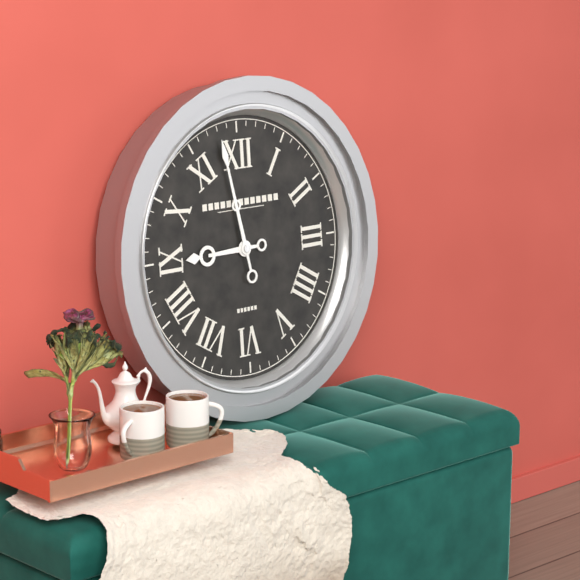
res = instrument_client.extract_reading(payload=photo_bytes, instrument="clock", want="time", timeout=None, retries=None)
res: 8:58
